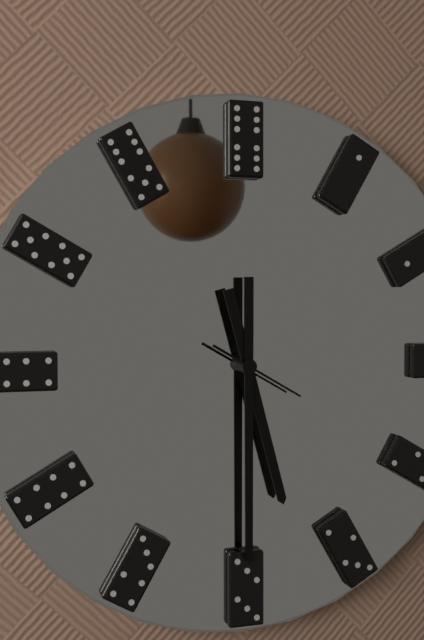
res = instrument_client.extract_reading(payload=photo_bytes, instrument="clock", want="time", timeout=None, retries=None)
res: 5:30:20
